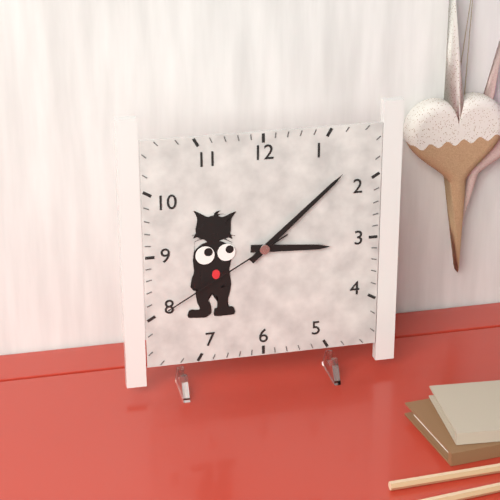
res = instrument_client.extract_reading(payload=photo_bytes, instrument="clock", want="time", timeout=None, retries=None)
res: 3:08:40
